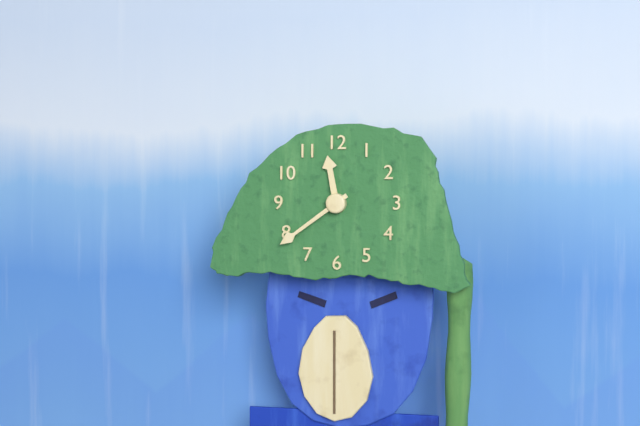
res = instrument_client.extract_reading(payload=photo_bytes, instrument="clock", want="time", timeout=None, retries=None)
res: 11:39
